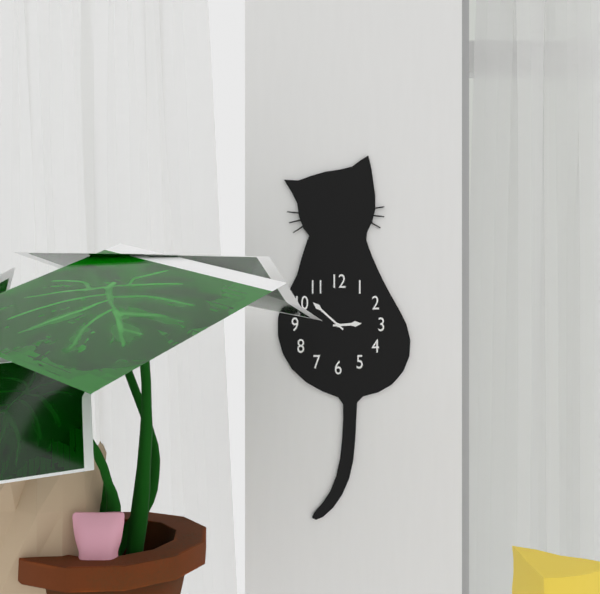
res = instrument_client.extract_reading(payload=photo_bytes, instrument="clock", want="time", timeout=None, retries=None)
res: 2:52
